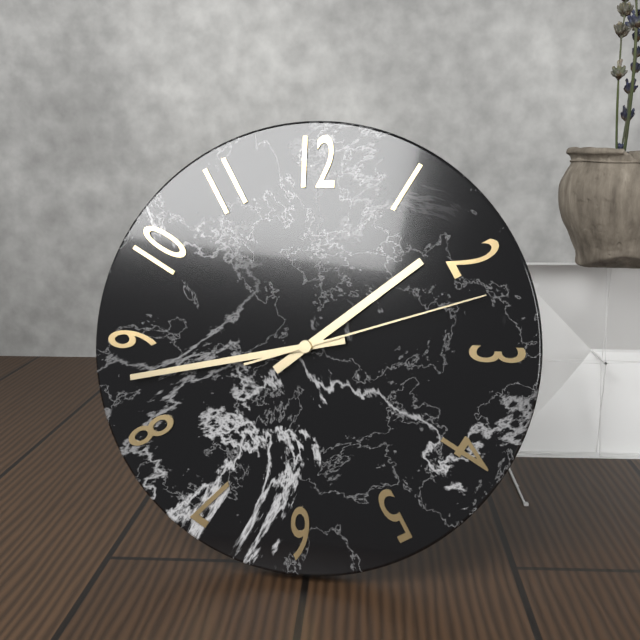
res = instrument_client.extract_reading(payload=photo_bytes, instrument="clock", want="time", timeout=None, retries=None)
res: 1:43:12
